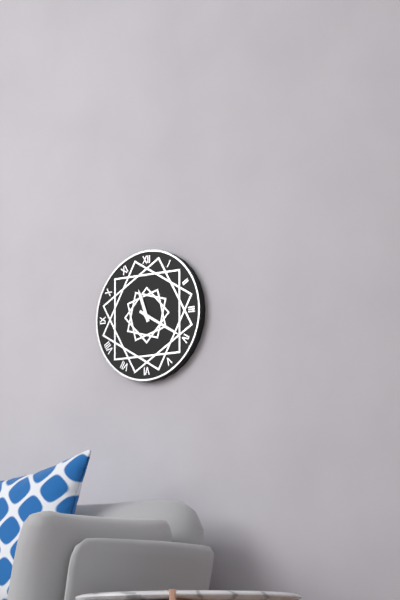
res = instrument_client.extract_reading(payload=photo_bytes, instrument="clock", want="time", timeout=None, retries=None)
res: 11:20
